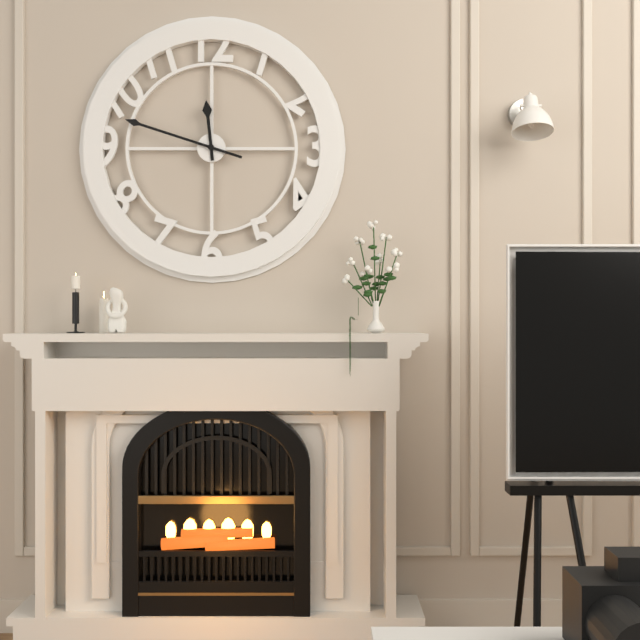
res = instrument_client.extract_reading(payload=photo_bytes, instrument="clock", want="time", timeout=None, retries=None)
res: 11:48
